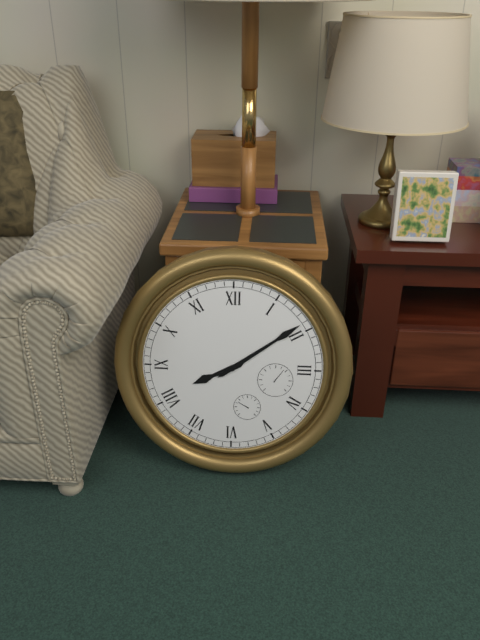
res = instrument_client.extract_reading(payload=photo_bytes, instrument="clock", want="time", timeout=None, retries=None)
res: 8:09
